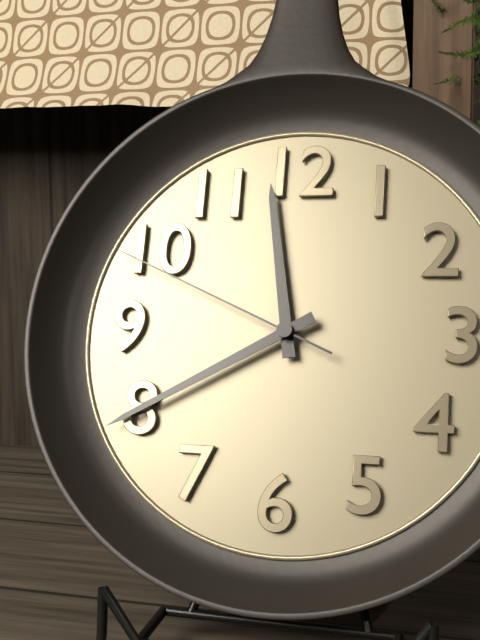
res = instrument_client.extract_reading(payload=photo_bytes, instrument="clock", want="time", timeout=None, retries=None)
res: 11:40:49
